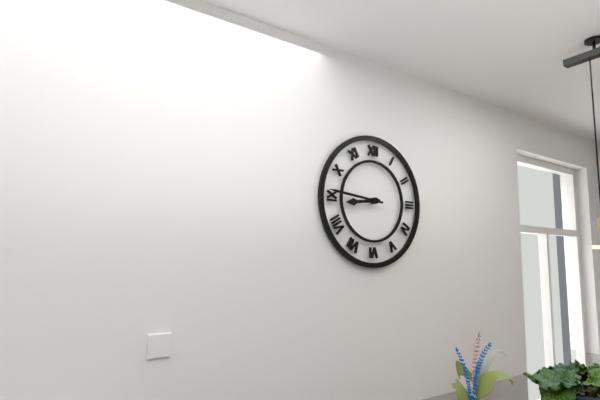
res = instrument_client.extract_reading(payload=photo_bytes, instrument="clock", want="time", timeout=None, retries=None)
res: 8:46
